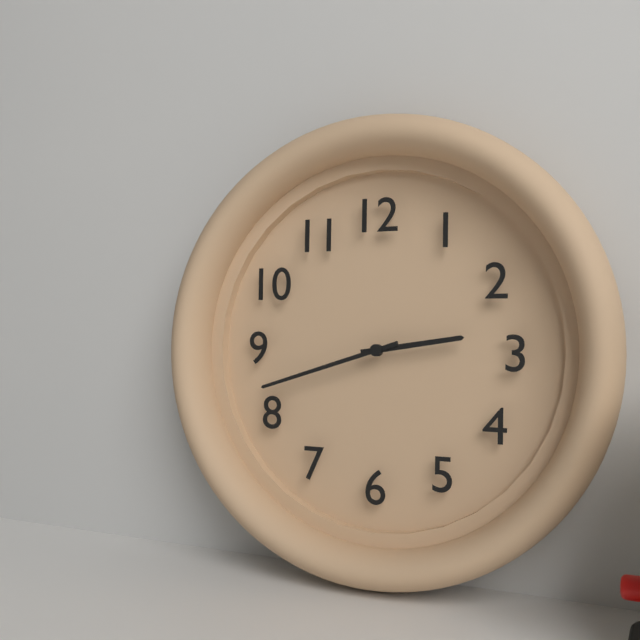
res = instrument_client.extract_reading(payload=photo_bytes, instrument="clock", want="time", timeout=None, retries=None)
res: 2:42
